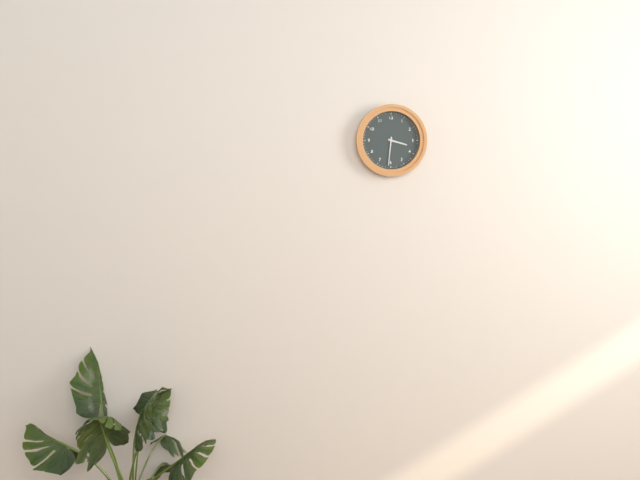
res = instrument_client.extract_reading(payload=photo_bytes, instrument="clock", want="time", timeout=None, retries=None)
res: 3:31
